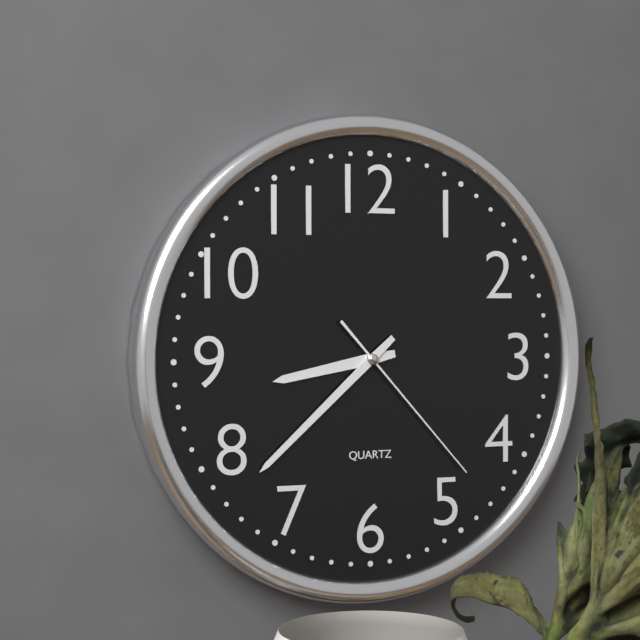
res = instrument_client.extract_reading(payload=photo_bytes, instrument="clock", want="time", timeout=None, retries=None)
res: 8:38:23
